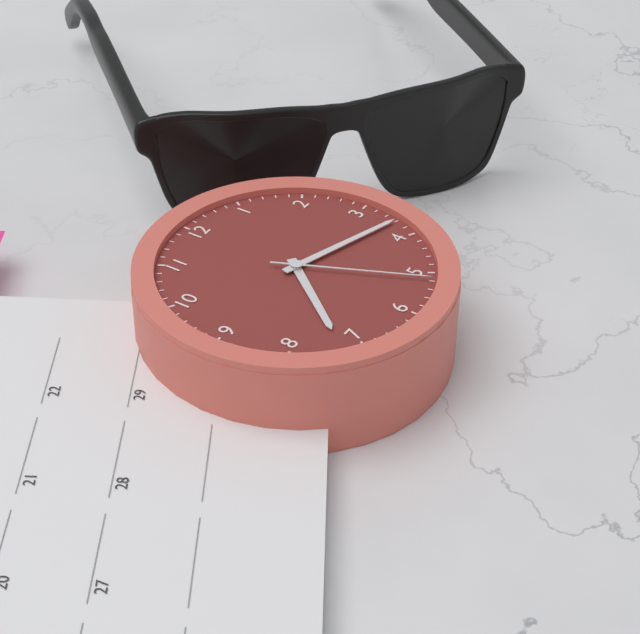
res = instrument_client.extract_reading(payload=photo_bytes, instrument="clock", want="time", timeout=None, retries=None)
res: 7:18:26
